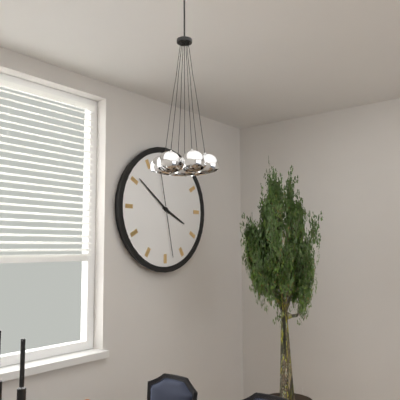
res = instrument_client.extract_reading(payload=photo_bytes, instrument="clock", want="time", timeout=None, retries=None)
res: 3:51:28
